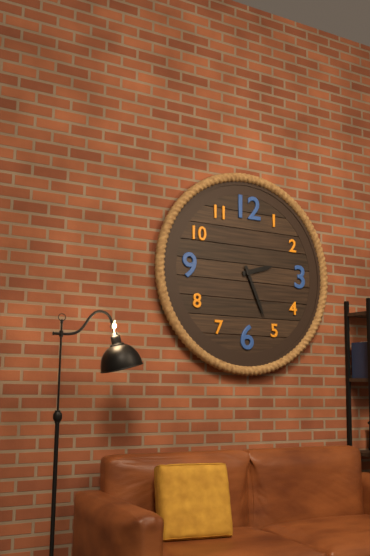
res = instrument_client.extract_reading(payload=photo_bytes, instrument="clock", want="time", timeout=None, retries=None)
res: 2:26
